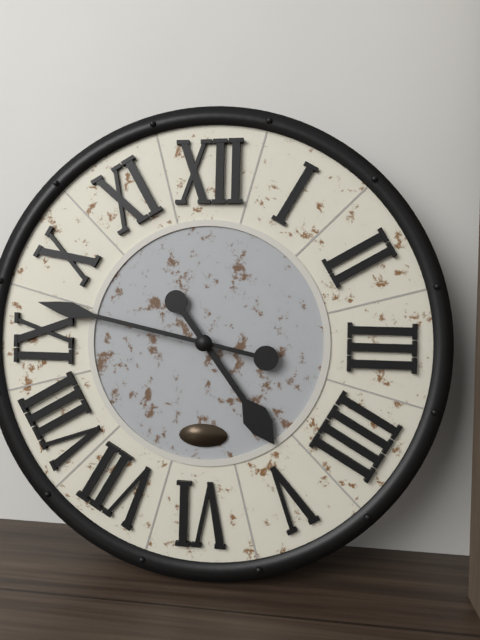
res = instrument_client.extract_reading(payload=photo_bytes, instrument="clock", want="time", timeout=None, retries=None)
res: 4:47
